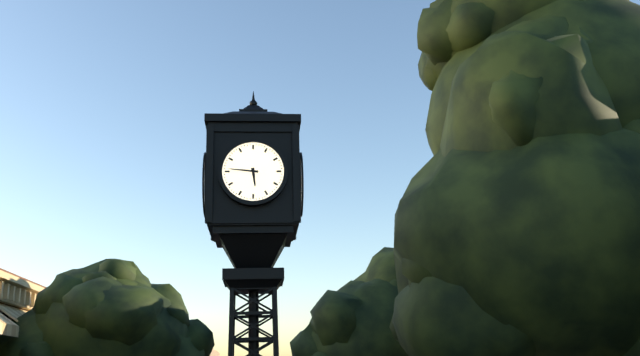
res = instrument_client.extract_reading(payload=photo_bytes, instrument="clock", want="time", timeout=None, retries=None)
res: 5:46
